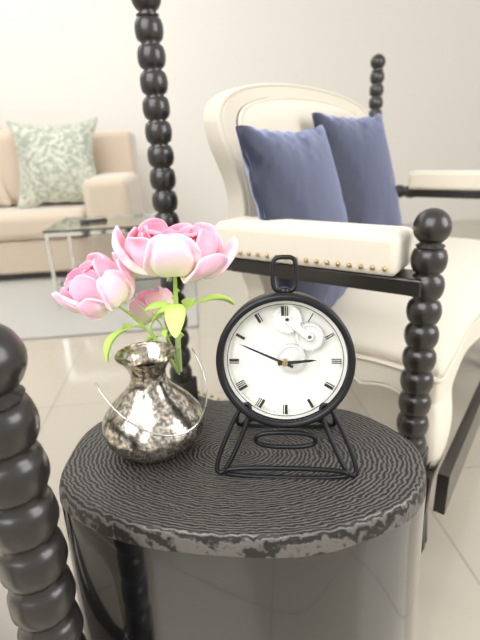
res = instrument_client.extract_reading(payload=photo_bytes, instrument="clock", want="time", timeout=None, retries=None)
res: 2:49
